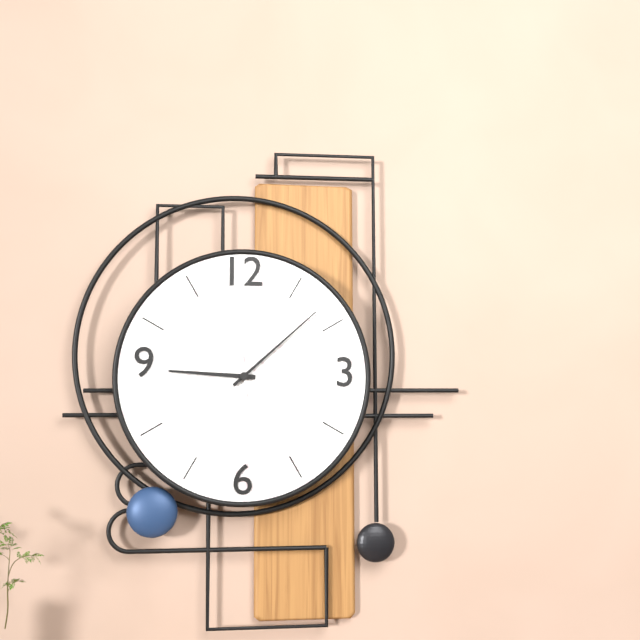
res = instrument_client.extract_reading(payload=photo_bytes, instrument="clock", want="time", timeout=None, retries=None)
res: 9:08:58
